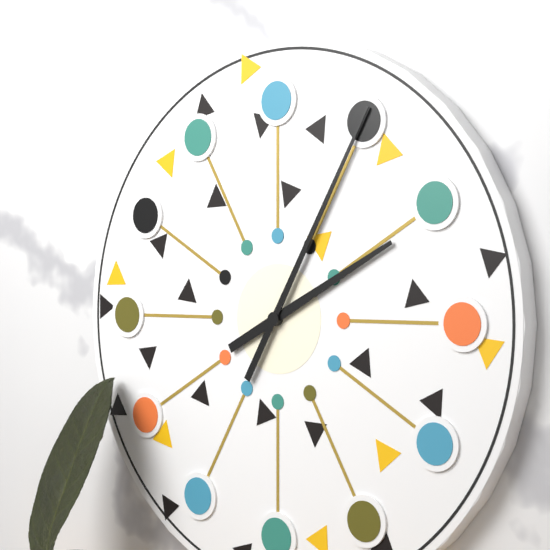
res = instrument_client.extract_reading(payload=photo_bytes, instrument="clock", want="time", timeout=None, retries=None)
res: 2:05
